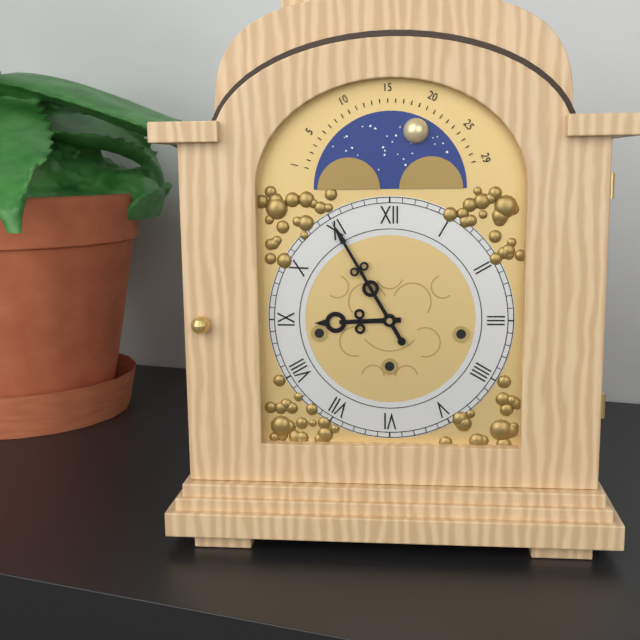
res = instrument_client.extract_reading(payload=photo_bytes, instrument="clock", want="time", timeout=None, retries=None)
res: 8:55
